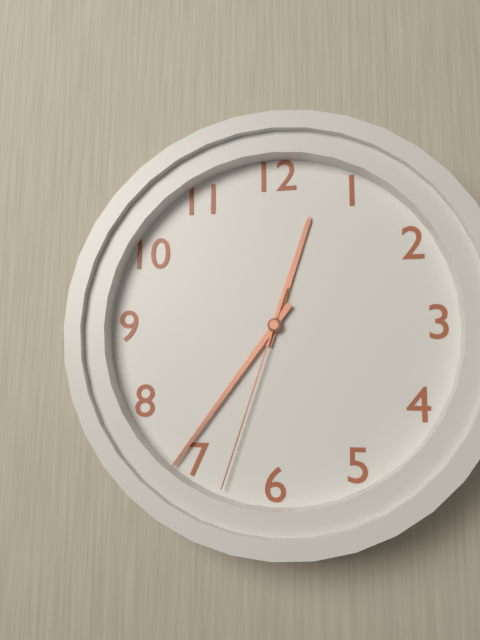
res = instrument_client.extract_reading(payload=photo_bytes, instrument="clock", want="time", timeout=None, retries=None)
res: 12:36:33
